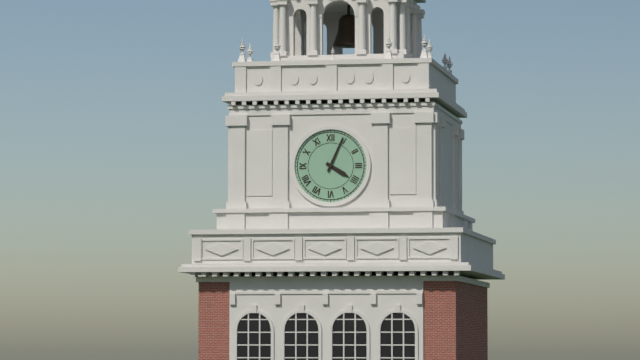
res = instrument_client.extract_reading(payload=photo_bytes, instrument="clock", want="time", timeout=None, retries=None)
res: 4:04
